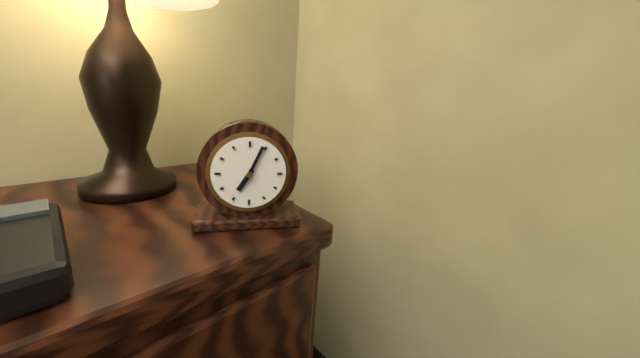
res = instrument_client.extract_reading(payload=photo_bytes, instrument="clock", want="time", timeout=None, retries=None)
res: 7:04
